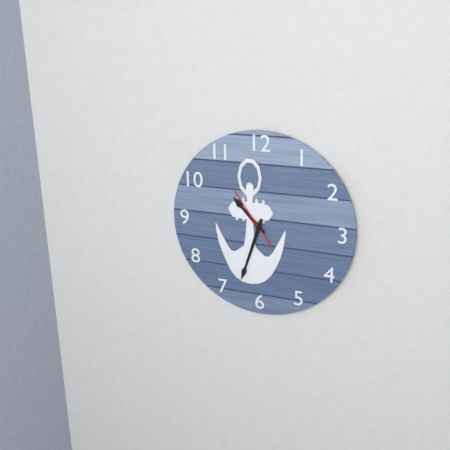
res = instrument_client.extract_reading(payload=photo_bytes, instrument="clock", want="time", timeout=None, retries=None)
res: 10:33:54
